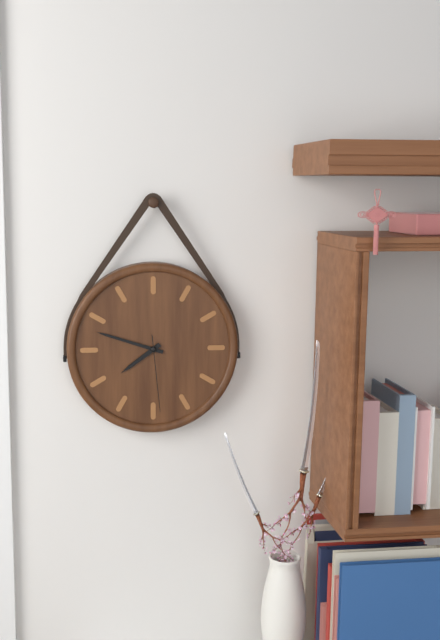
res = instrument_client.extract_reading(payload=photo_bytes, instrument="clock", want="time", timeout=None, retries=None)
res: 7:48:29
